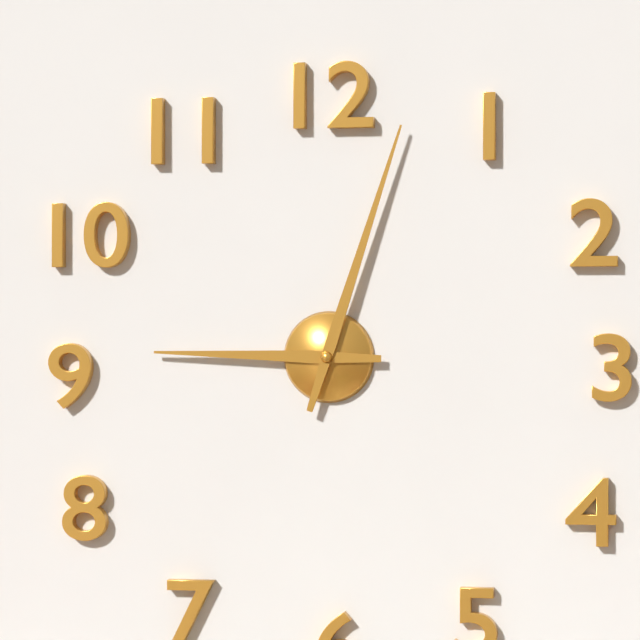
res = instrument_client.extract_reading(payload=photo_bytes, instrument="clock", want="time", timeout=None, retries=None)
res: 9:03
